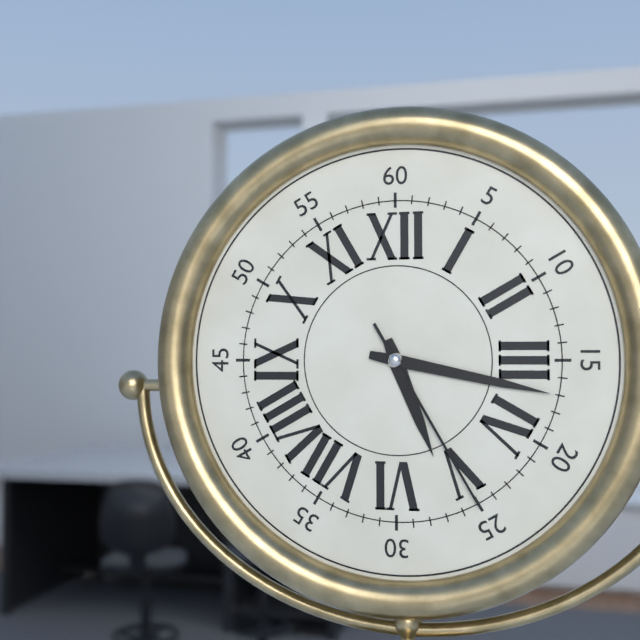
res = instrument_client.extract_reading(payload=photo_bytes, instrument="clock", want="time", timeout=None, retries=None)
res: 5:17:25
